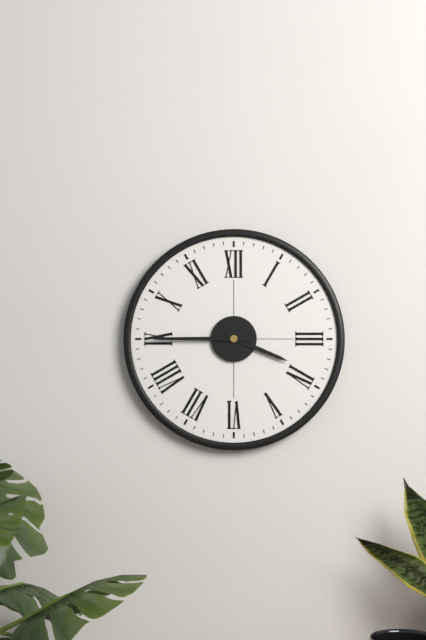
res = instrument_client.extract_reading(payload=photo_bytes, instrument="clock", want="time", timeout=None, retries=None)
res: 3:45
